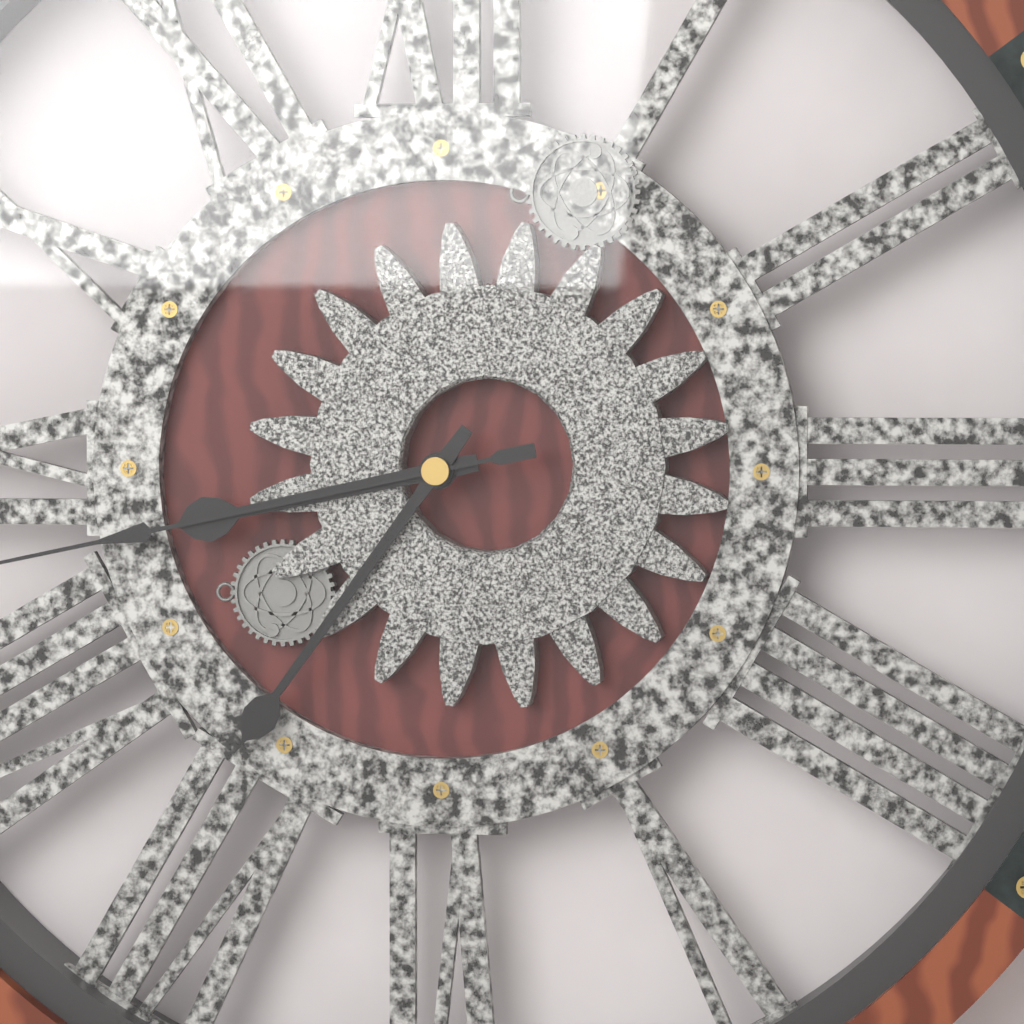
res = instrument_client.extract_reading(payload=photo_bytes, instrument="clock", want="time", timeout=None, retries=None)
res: 8:36
